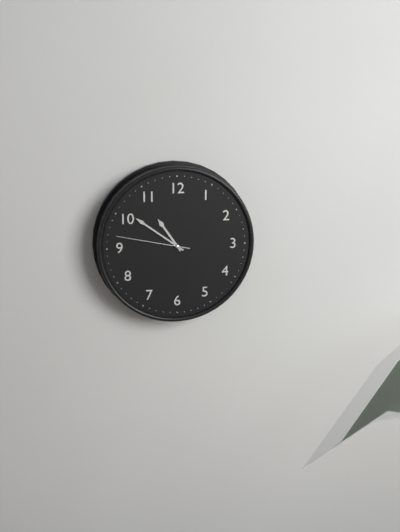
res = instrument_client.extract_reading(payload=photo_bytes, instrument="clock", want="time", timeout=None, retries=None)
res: 10:51:47
